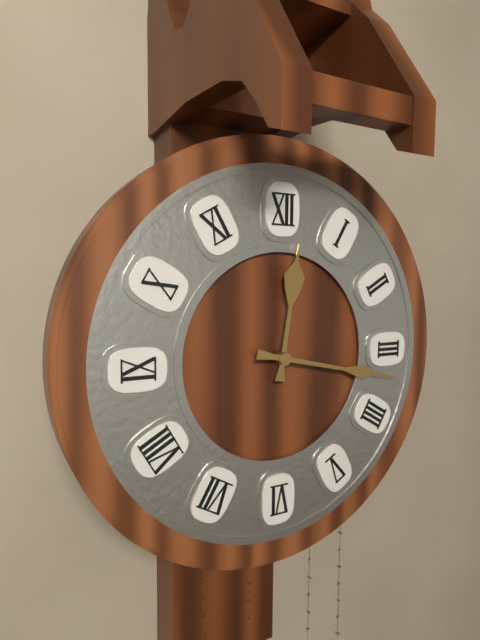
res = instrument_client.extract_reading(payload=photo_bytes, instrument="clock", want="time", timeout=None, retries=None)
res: 12:17
